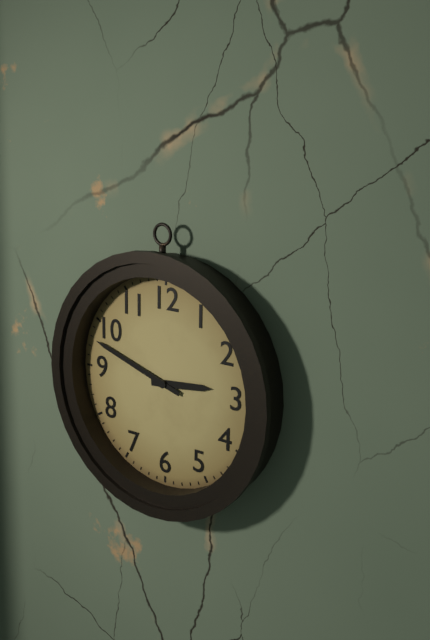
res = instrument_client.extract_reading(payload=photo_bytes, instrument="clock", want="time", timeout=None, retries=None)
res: 2:48
